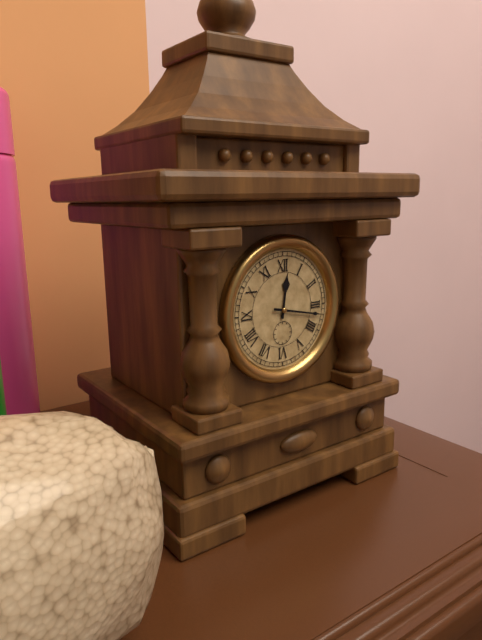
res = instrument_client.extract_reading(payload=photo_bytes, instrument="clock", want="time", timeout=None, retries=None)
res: 12:17
